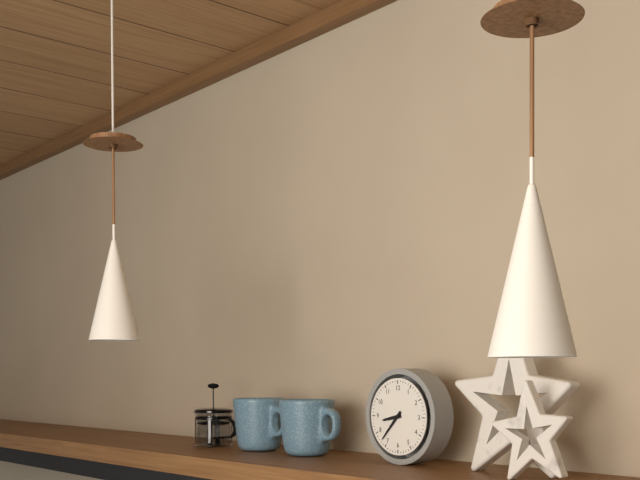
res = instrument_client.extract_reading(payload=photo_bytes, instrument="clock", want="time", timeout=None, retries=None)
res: 8:37
